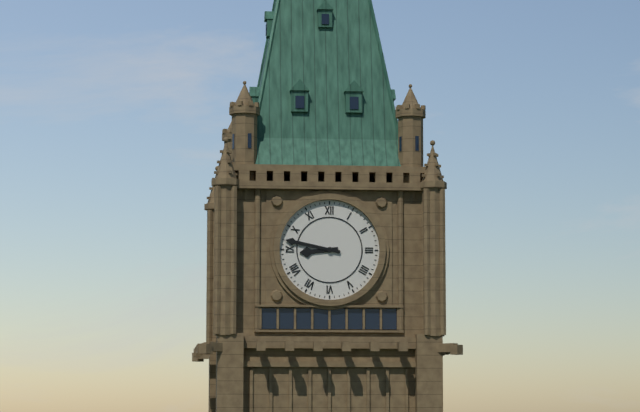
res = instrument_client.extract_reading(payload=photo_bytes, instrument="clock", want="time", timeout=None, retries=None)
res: 8:47
